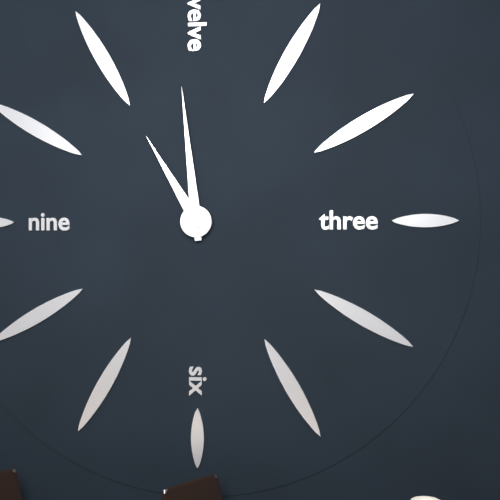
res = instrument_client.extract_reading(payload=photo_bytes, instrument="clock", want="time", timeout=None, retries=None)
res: 10:59
